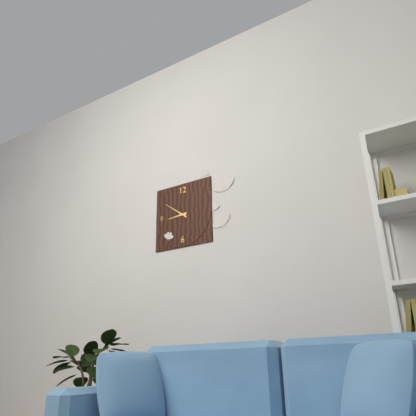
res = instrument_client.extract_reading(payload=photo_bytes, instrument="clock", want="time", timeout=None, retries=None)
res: 8:51
